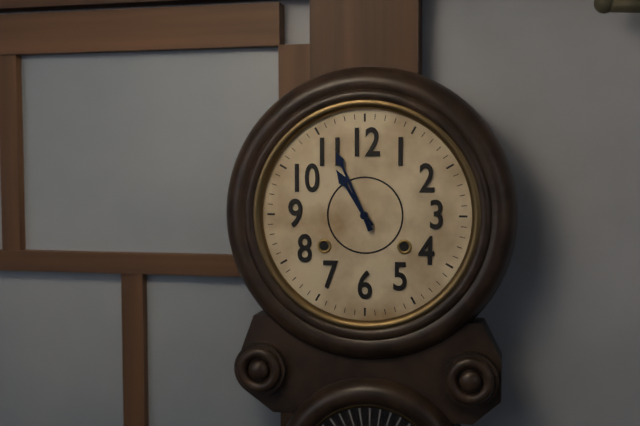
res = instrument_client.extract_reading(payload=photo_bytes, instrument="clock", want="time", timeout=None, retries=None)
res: 10:56
